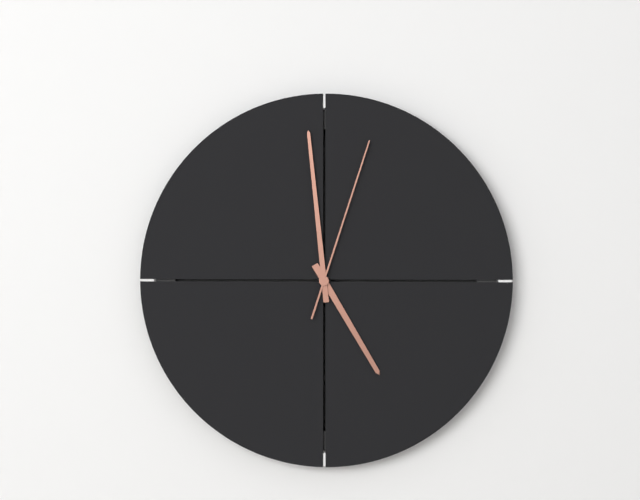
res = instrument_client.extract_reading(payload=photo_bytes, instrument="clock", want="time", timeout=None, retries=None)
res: 4:59:03
